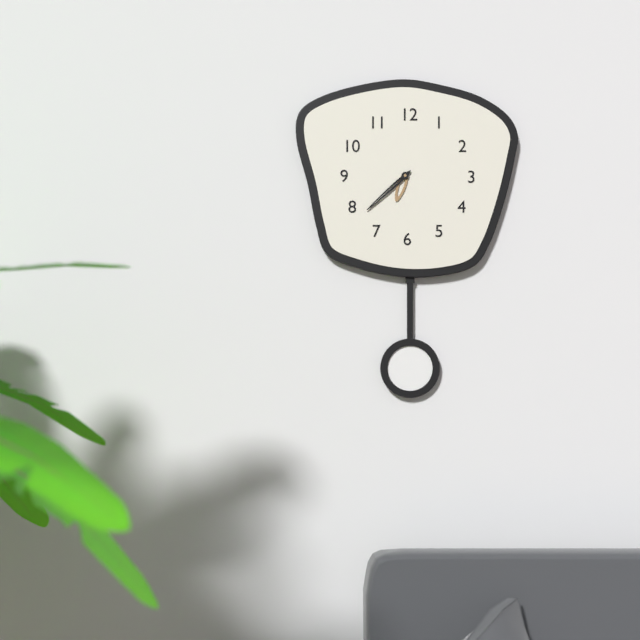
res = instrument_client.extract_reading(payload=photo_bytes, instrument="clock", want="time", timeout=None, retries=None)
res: 6:38
